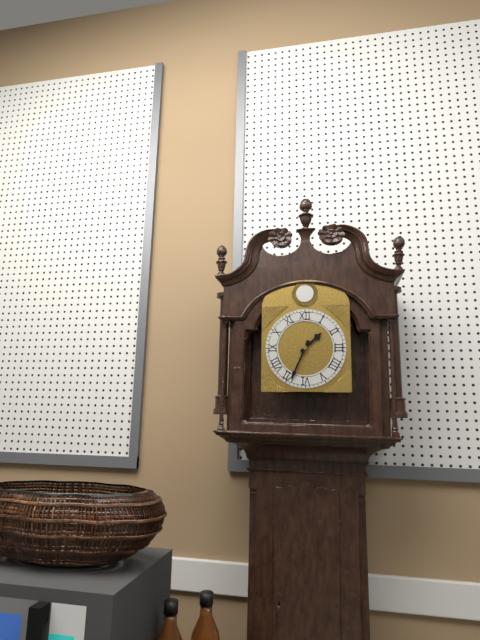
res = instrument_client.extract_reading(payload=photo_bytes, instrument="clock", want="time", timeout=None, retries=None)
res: 1:34
